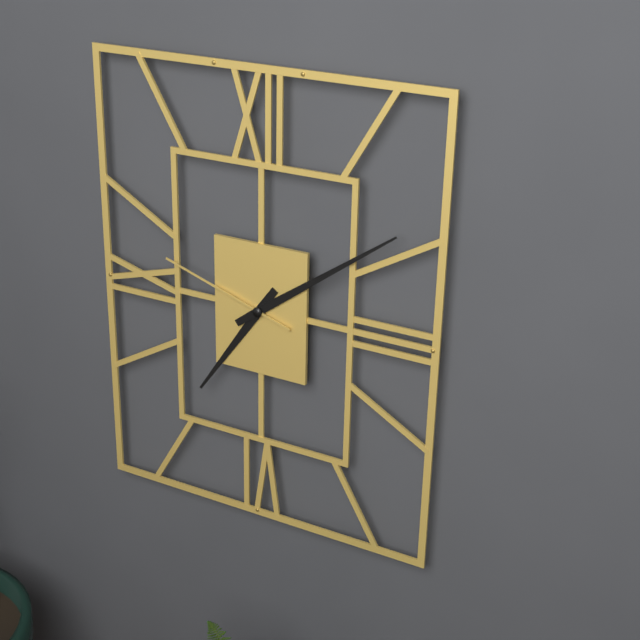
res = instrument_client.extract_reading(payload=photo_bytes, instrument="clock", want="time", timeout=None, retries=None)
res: 7:09:48
